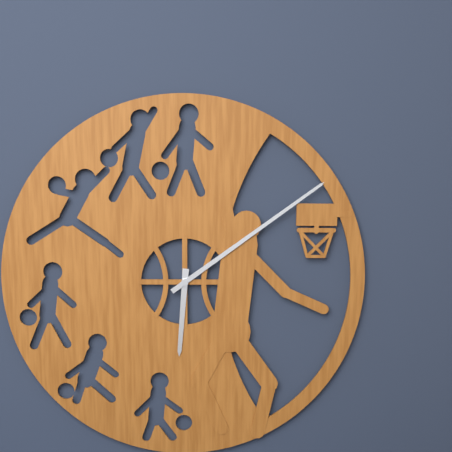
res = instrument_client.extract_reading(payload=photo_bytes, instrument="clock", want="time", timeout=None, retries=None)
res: 6:09
